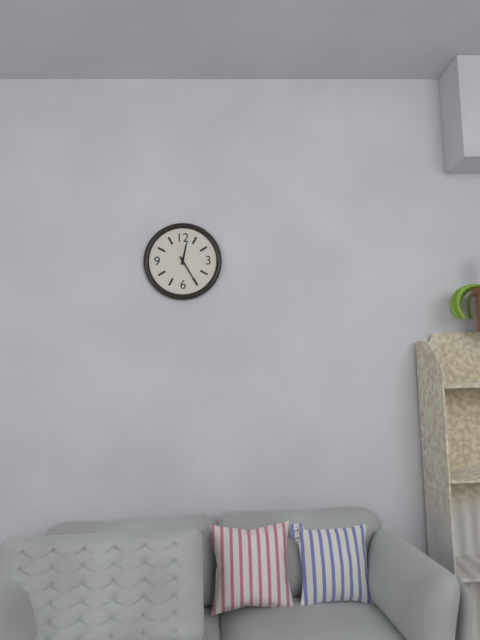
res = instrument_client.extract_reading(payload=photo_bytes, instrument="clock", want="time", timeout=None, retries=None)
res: 12:25
